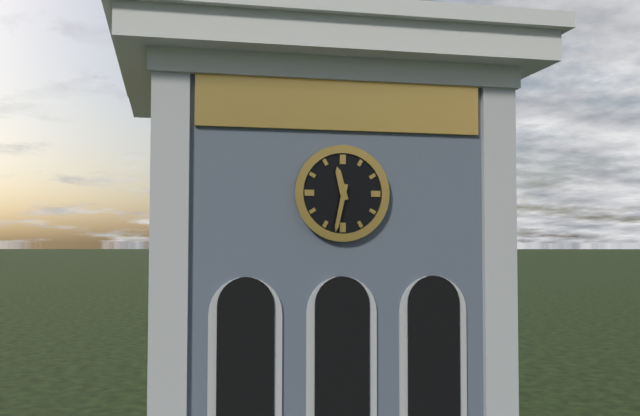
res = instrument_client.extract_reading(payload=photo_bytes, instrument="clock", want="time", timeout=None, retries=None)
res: 11:32
